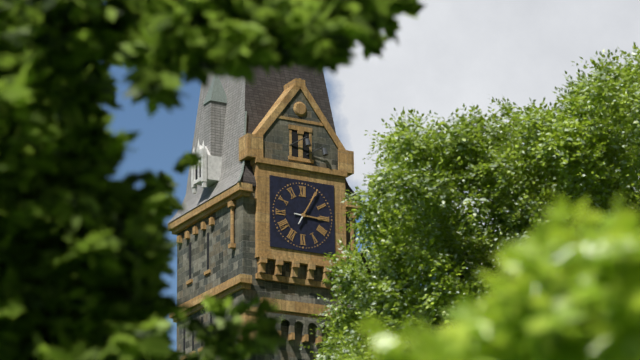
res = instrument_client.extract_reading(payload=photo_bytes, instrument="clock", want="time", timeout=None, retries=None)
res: 3:05
